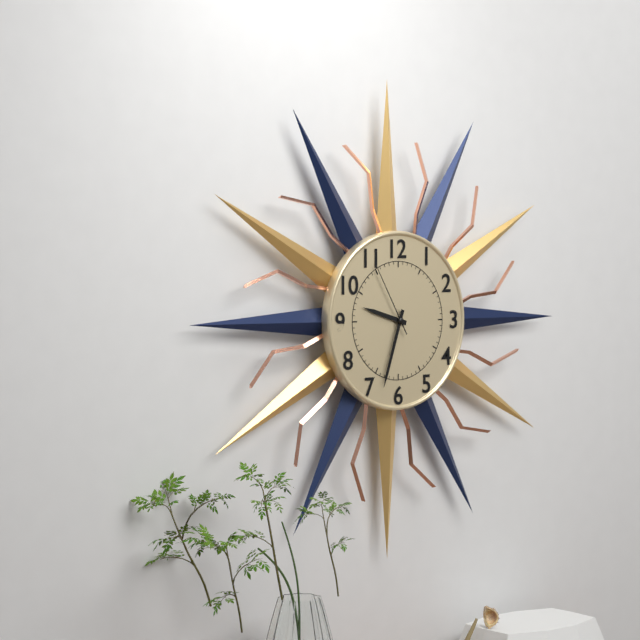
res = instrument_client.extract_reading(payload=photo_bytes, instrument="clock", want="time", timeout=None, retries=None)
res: 9:33:55
